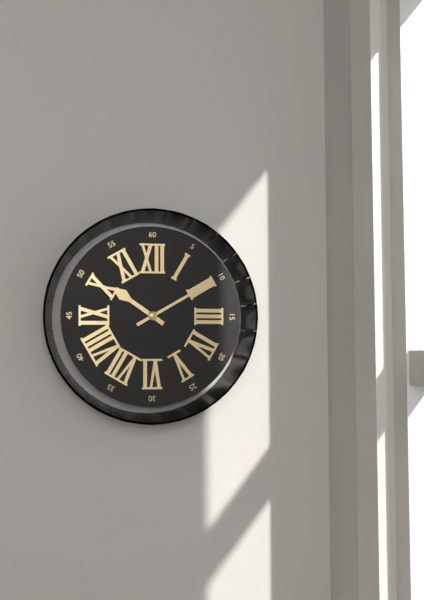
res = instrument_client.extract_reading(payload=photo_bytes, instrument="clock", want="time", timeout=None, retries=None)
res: 10:10
